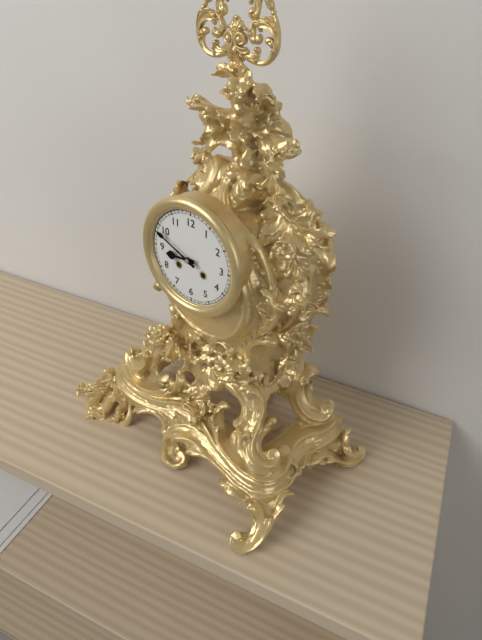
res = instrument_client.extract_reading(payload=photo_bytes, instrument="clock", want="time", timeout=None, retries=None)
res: 8:49
